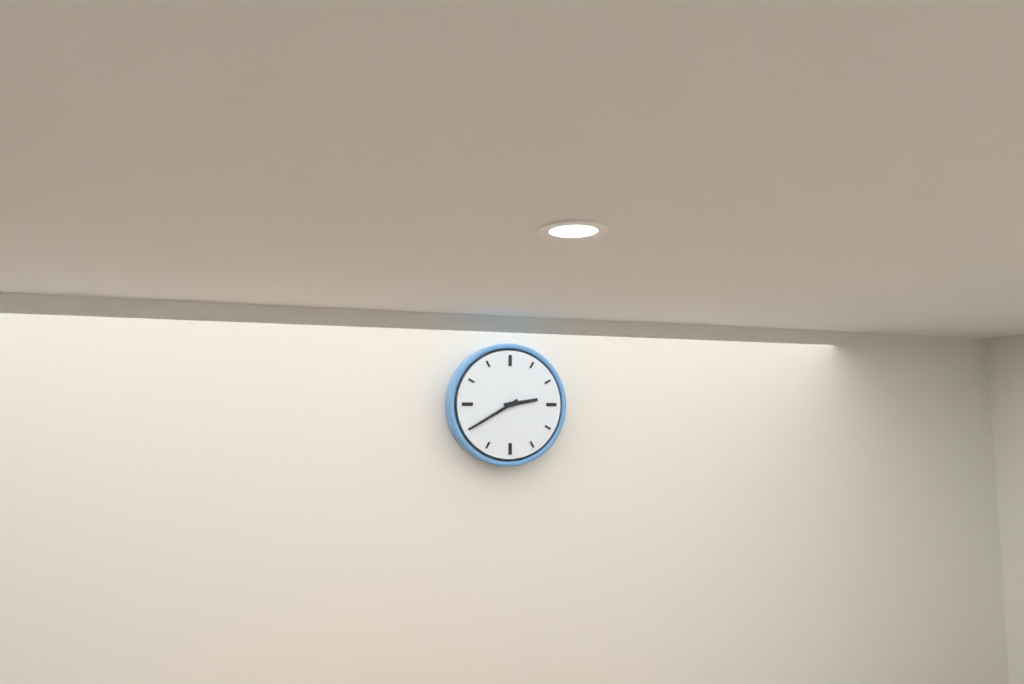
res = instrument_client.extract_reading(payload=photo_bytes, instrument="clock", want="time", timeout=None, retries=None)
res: 2:40
